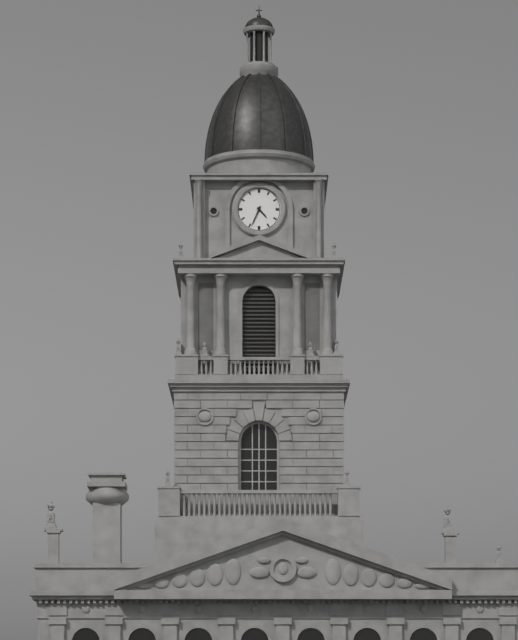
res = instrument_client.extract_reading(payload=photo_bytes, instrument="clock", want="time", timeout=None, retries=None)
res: 4:34
